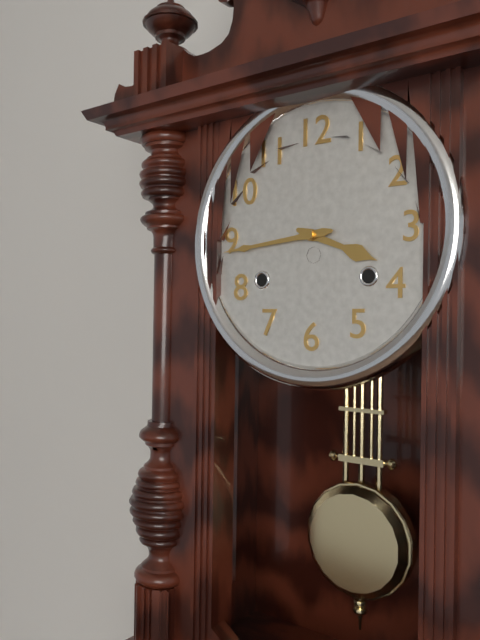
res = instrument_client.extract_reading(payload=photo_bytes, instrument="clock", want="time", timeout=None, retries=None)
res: 3:44
